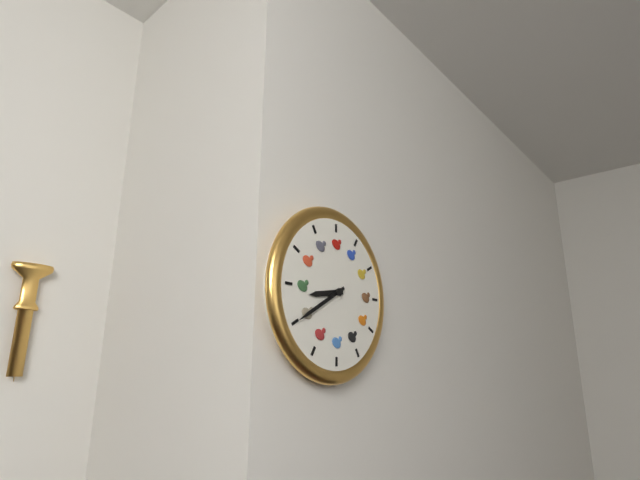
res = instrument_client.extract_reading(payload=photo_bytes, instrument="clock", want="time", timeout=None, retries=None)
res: 8:40
